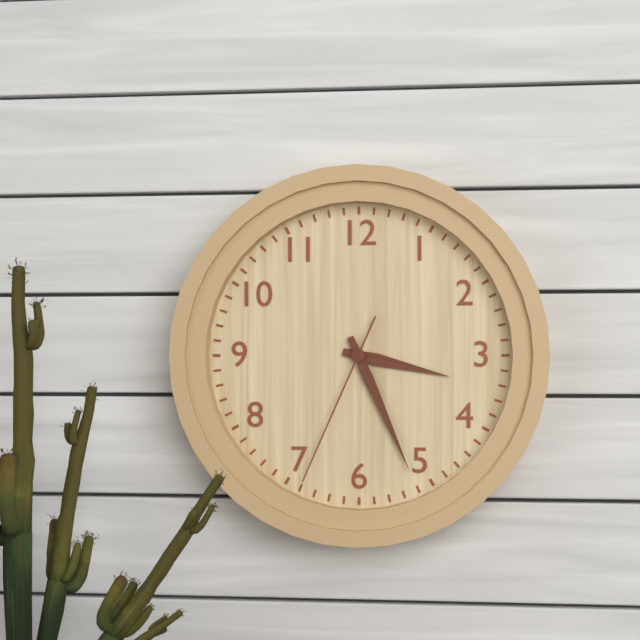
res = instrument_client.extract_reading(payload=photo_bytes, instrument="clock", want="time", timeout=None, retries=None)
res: 3:26:34
